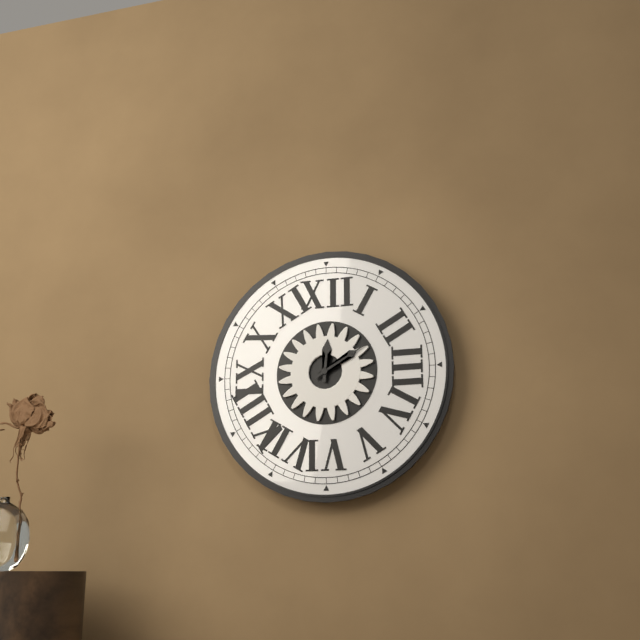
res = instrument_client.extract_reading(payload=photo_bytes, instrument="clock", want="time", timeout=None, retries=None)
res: 12:10
